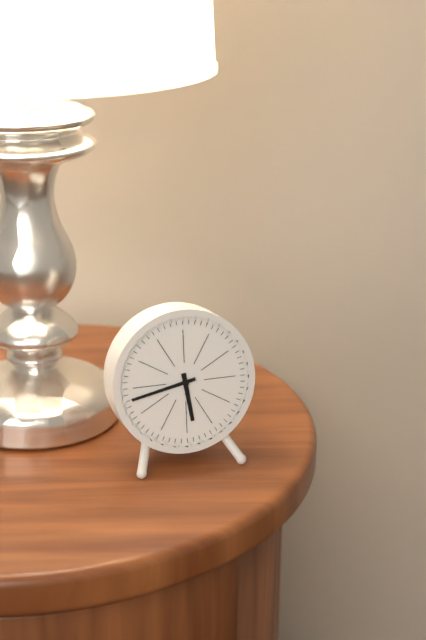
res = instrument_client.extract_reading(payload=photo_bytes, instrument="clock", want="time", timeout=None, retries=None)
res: 5:43
